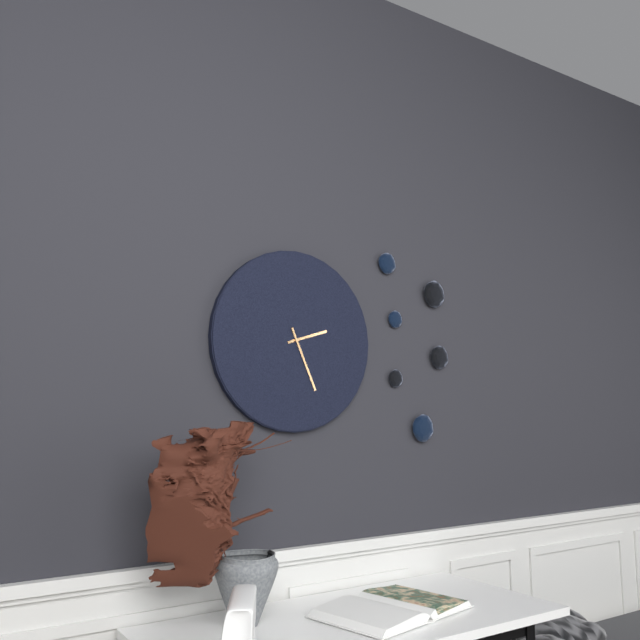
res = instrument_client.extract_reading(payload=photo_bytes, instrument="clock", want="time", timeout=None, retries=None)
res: 2:26
